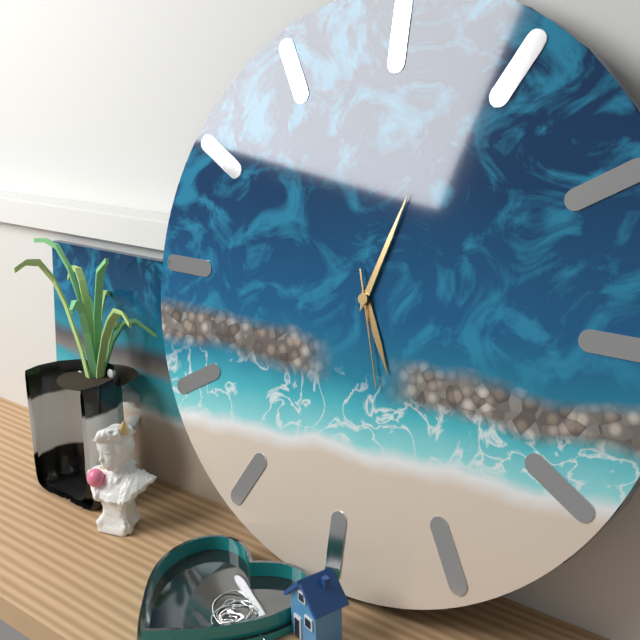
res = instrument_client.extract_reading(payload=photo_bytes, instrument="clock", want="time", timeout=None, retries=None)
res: 5:03:27
